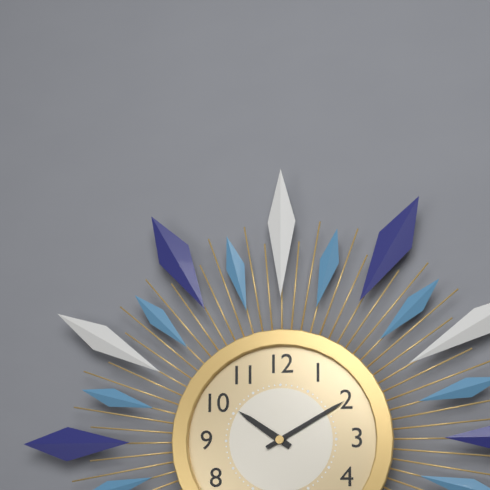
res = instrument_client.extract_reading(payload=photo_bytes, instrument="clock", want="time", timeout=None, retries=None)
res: 10:10
